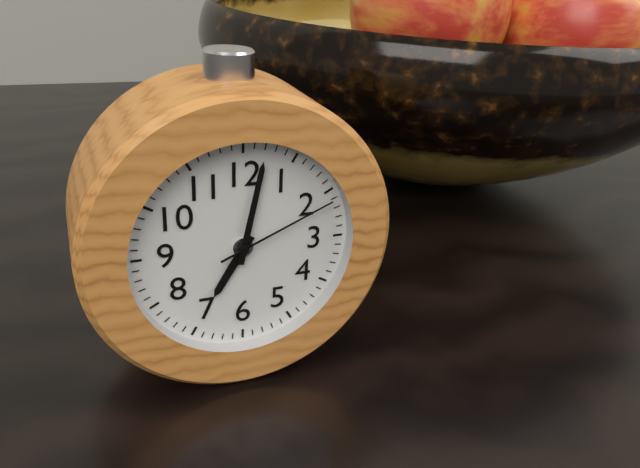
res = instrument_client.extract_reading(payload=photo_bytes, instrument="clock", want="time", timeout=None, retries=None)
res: 7:02:11
